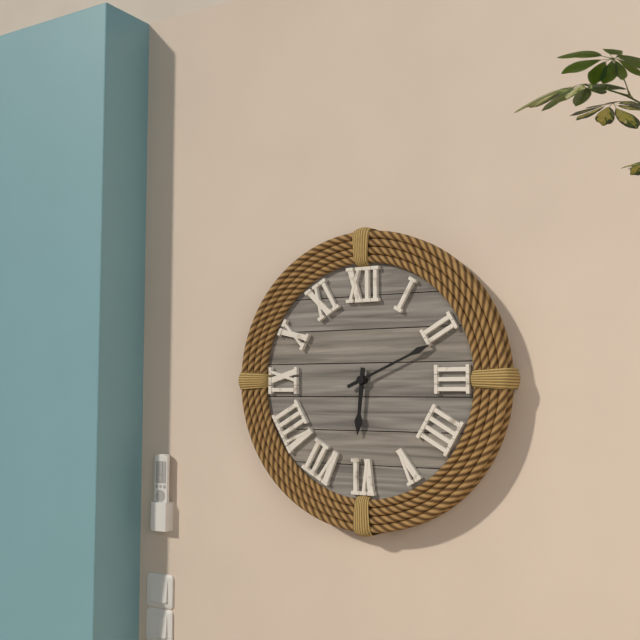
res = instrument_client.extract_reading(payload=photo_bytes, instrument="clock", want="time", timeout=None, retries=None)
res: 6:11
